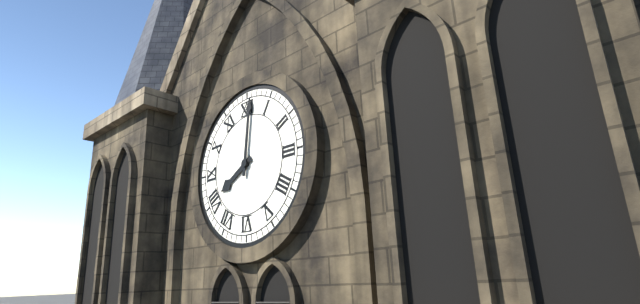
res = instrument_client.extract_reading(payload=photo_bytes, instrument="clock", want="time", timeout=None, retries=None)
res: 8:01
